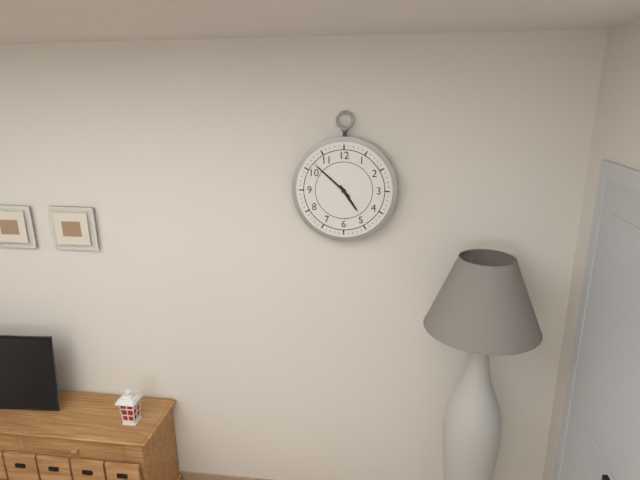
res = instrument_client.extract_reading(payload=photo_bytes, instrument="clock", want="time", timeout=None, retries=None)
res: 4:52
